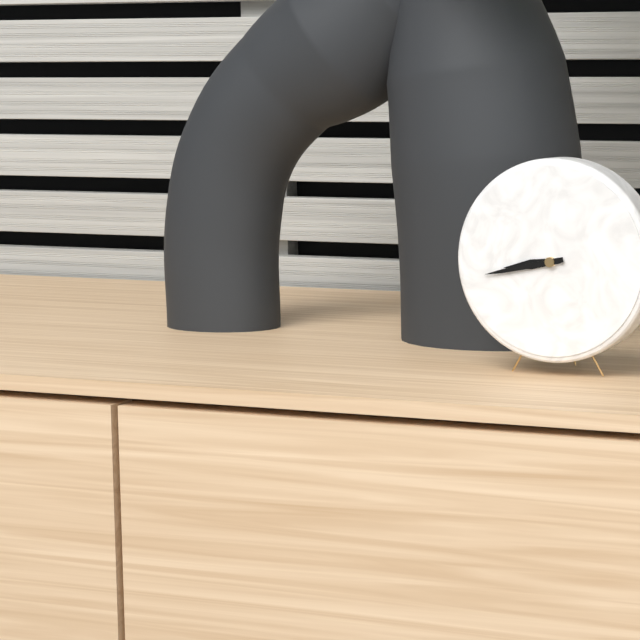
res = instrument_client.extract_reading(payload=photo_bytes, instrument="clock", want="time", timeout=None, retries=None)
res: 8:43
